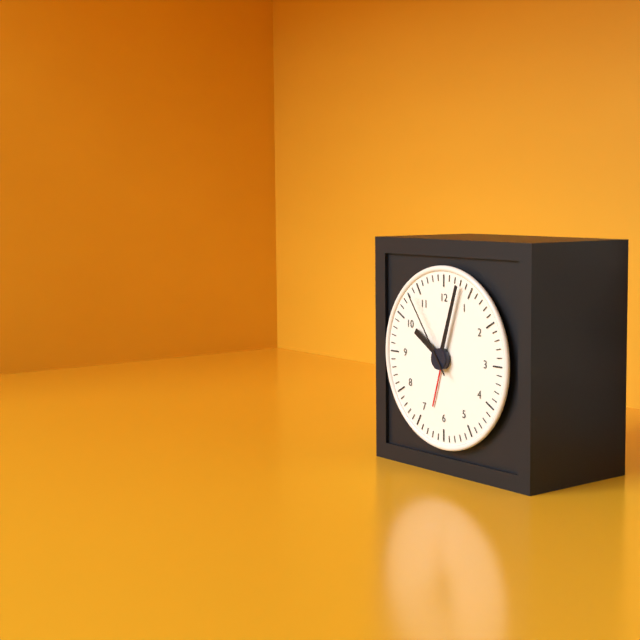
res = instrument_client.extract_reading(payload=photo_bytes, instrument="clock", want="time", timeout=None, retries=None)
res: 10:03:54
